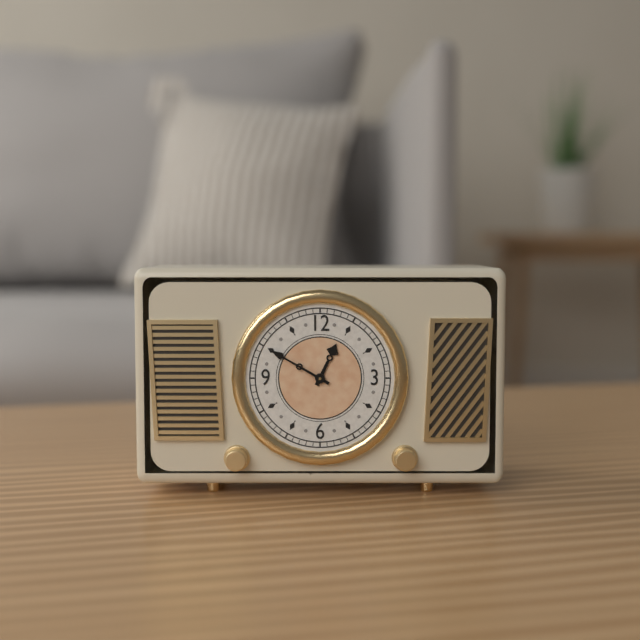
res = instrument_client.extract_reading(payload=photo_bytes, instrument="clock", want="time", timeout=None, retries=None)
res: 12:50
